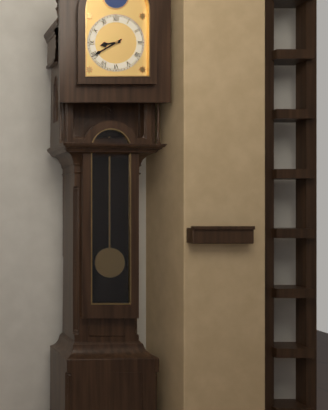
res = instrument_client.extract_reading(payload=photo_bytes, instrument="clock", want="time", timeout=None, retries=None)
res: 8:40
